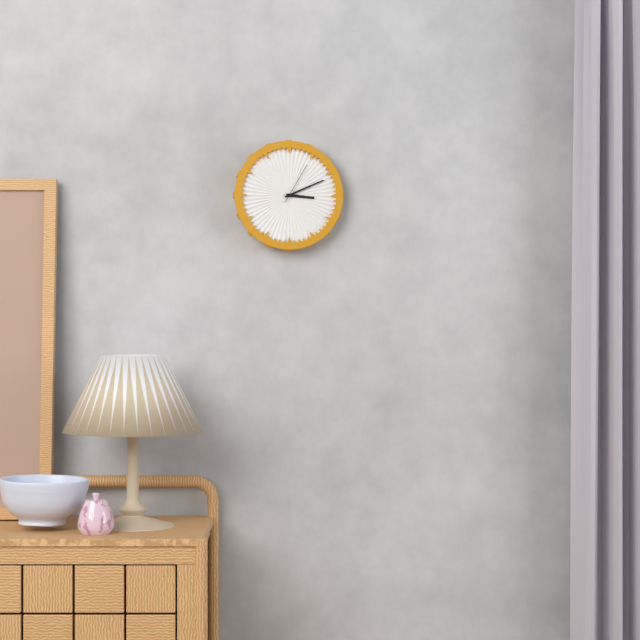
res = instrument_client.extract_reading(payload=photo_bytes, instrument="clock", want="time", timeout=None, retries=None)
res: 3:11
